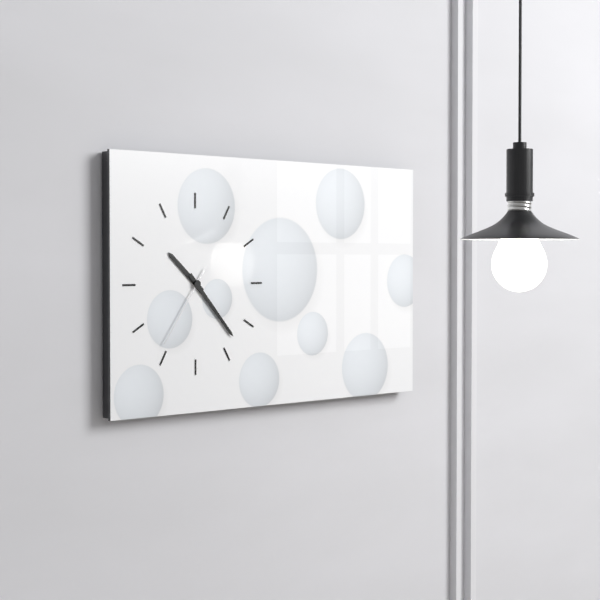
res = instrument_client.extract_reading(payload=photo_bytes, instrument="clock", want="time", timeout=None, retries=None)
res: 10:23:36
